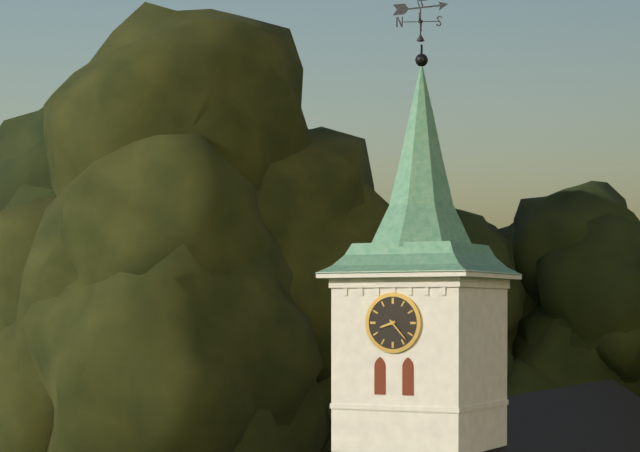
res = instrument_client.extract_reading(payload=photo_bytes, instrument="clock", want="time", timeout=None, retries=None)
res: 8:23
